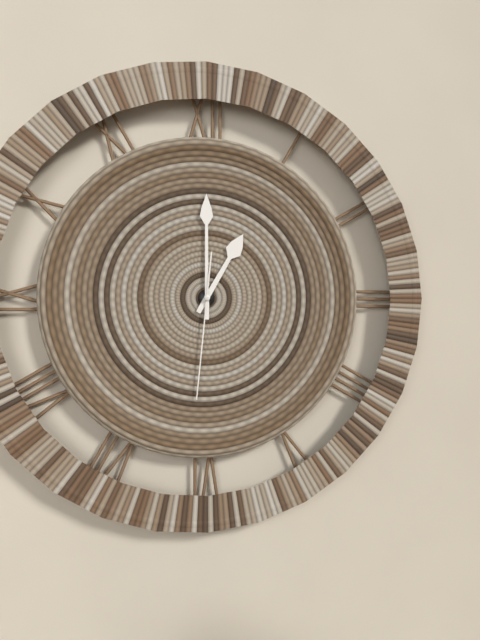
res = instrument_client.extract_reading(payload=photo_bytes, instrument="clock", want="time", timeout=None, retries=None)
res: 1:00:31
